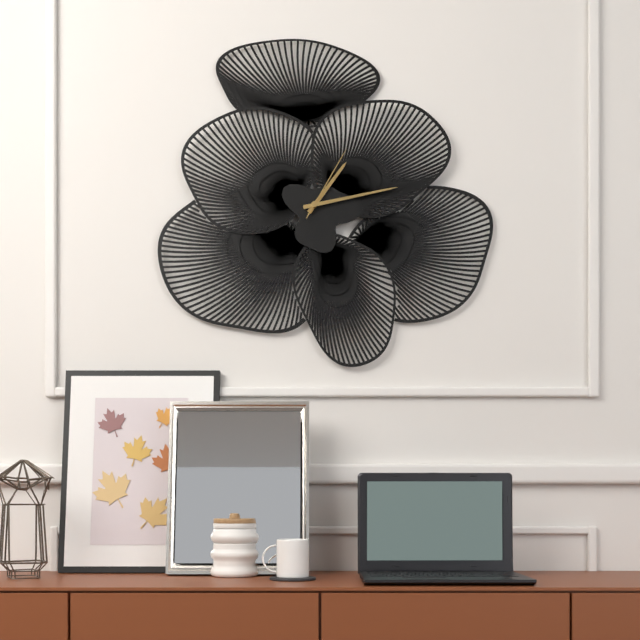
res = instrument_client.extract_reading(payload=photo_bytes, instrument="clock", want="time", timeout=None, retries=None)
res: 1:13:05
